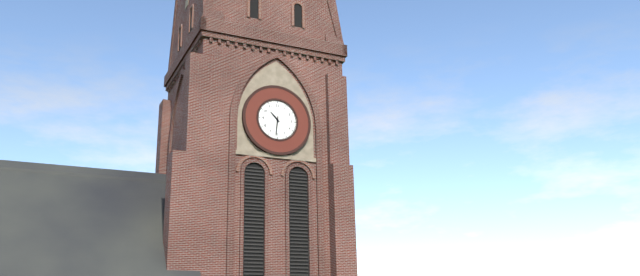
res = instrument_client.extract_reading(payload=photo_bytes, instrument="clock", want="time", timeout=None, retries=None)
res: 10:31
